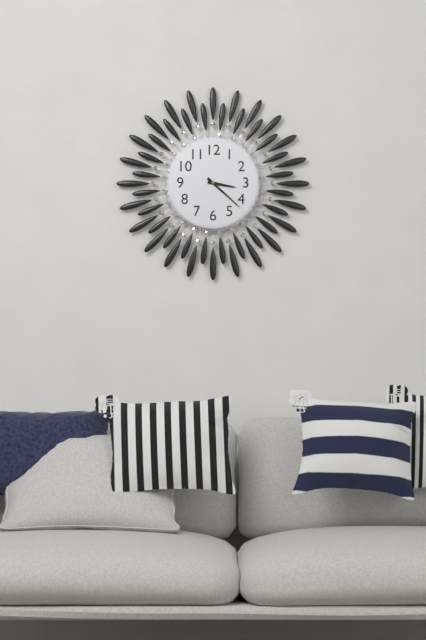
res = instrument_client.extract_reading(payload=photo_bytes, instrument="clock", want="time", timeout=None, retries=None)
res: 3:22
